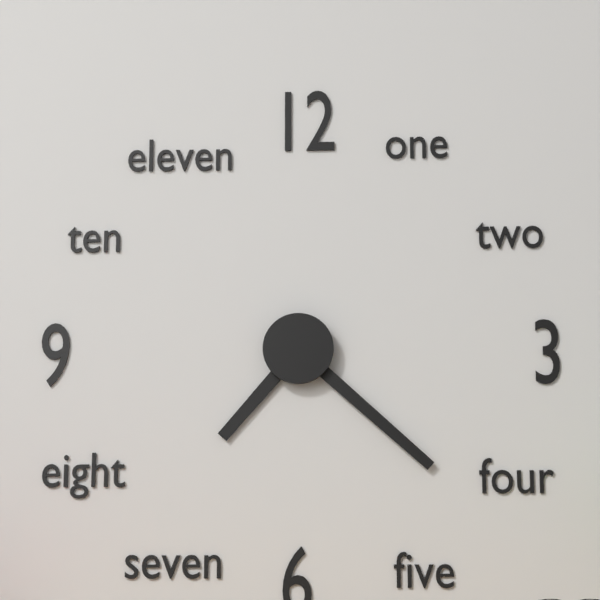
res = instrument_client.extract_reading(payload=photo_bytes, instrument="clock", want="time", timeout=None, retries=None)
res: 7:22
